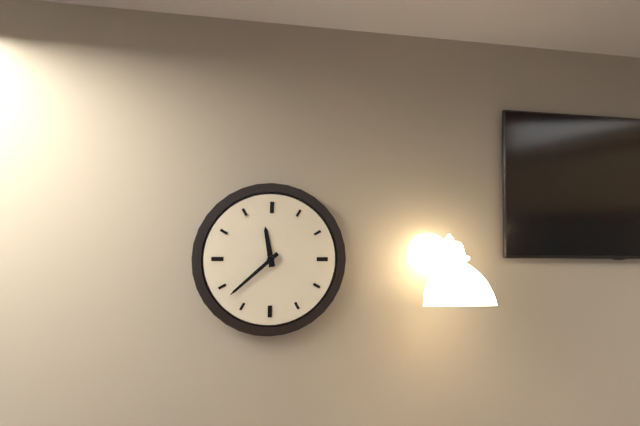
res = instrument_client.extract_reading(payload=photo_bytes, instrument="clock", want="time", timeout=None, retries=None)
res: 11:38
